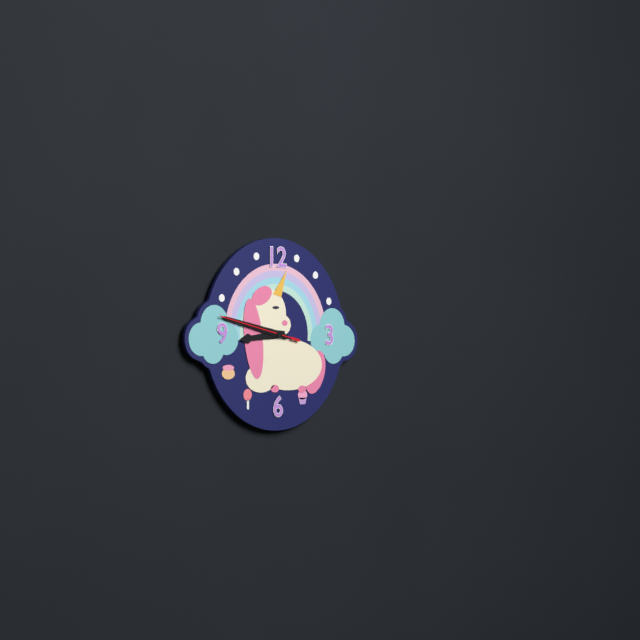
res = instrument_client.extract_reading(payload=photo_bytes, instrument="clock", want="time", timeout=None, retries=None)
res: 8:47:47
